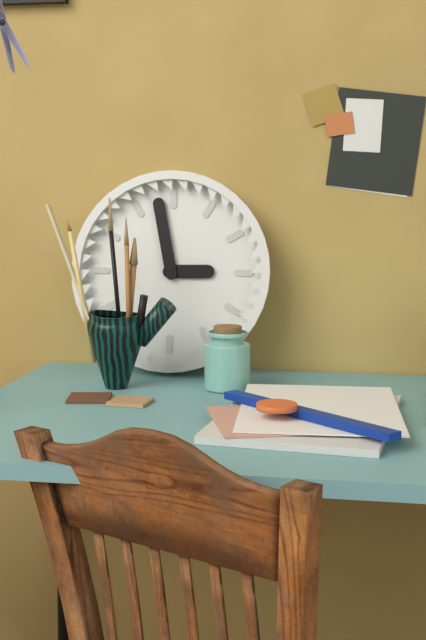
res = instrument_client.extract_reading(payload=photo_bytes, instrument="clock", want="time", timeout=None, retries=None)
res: 2:58
